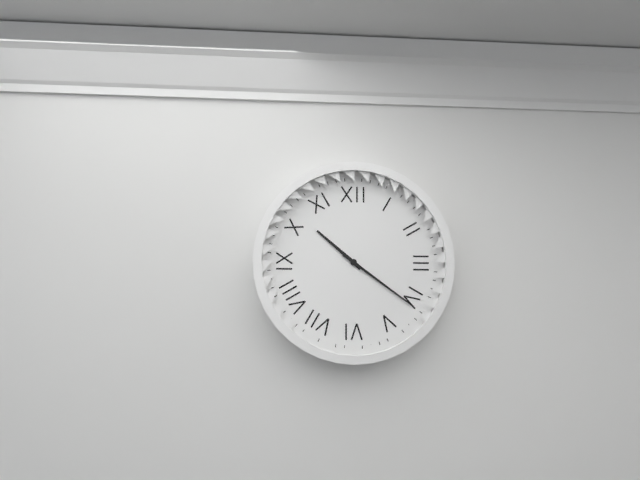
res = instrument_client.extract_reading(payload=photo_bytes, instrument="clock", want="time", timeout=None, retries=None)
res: 10:21
